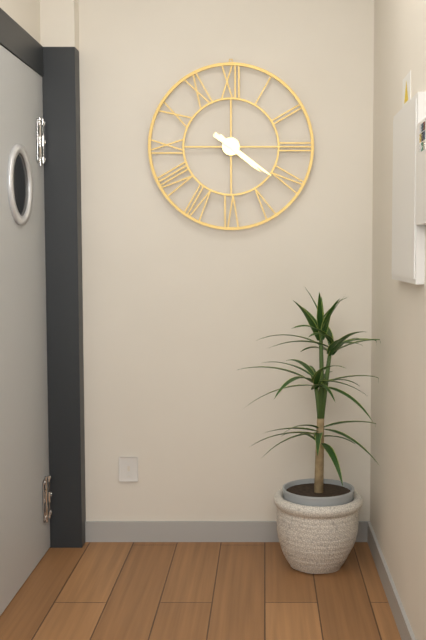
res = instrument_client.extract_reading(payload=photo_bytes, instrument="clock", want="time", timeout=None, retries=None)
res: 4:21
